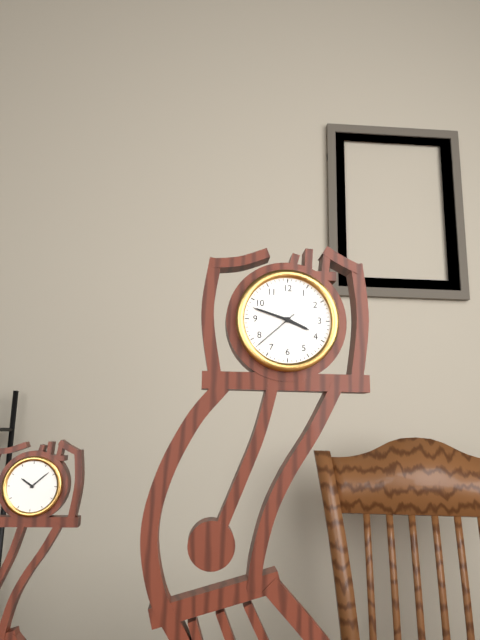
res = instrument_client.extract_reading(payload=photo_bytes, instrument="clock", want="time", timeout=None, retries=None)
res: 3:48
